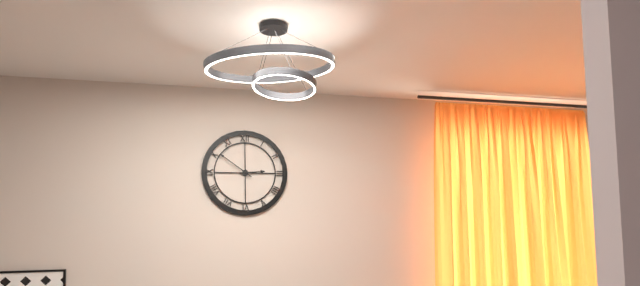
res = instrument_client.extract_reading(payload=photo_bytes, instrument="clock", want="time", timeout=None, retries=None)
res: 2:51
